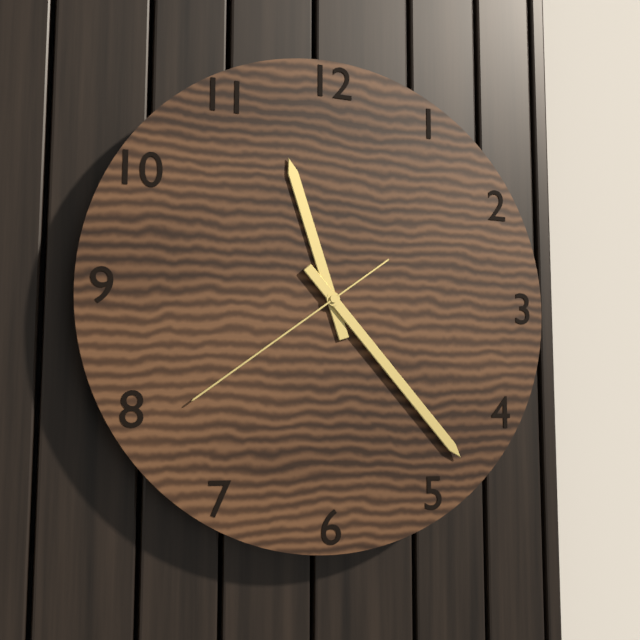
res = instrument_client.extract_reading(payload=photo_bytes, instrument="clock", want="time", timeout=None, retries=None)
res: 11:23:39
